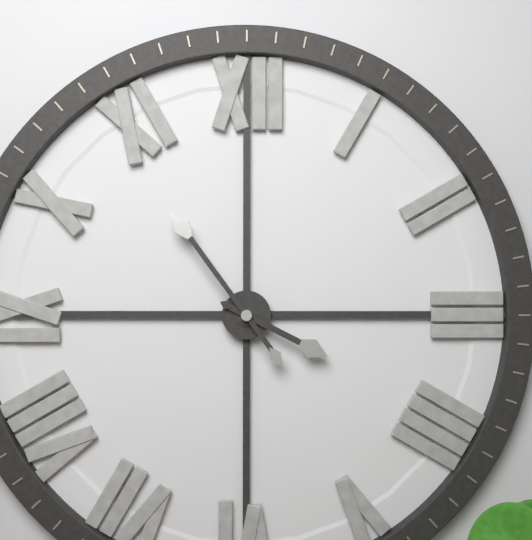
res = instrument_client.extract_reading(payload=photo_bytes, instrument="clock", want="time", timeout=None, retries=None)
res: 3:54
